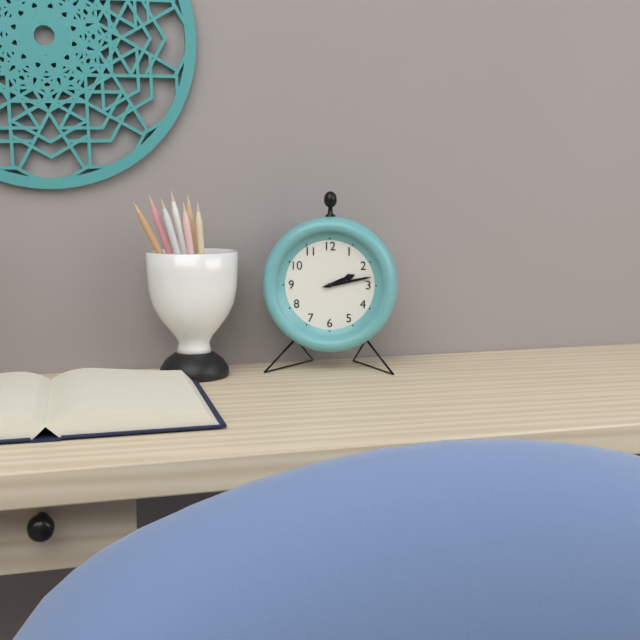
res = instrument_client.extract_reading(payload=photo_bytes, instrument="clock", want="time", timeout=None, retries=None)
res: 2:13
